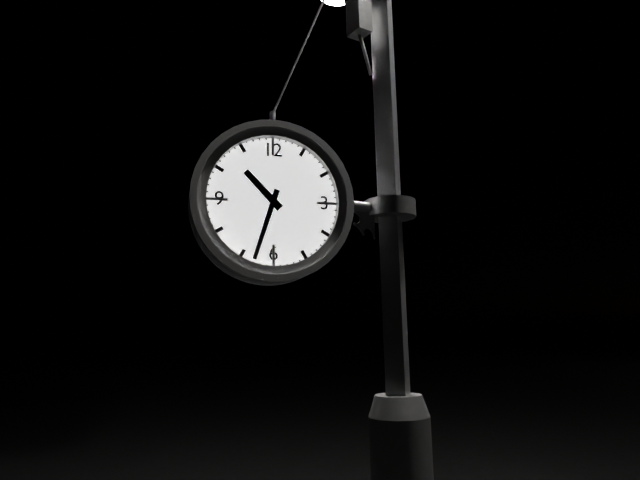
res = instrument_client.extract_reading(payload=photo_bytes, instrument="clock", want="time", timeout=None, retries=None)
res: 10:33
